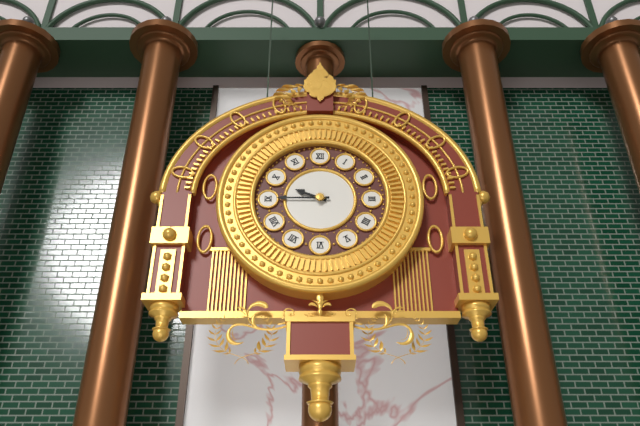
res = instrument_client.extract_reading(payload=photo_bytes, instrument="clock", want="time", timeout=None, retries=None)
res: 9:45
